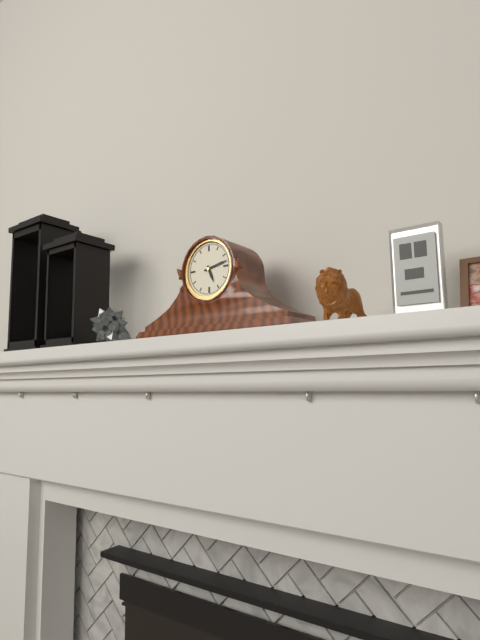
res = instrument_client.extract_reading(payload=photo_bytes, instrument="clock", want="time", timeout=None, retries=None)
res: 5:13
